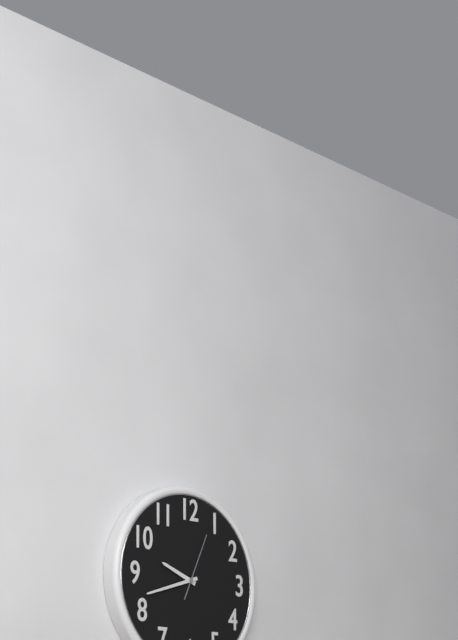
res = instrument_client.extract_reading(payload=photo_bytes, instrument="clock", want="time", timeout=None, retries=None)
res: 9:42:04
